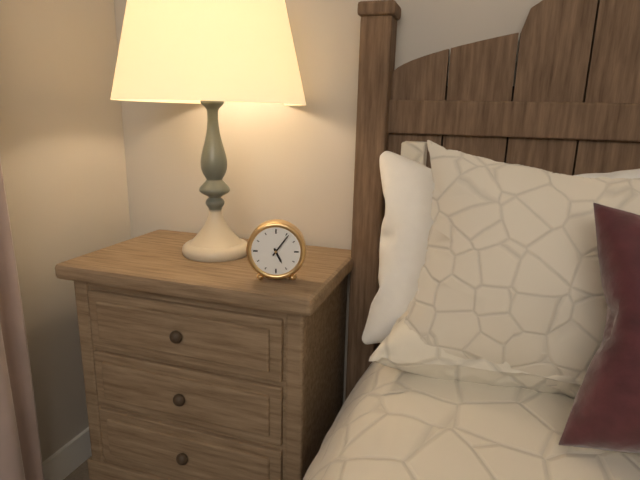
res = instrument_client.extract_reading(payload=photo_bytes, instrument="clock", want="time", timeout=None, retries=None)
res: 5:06
